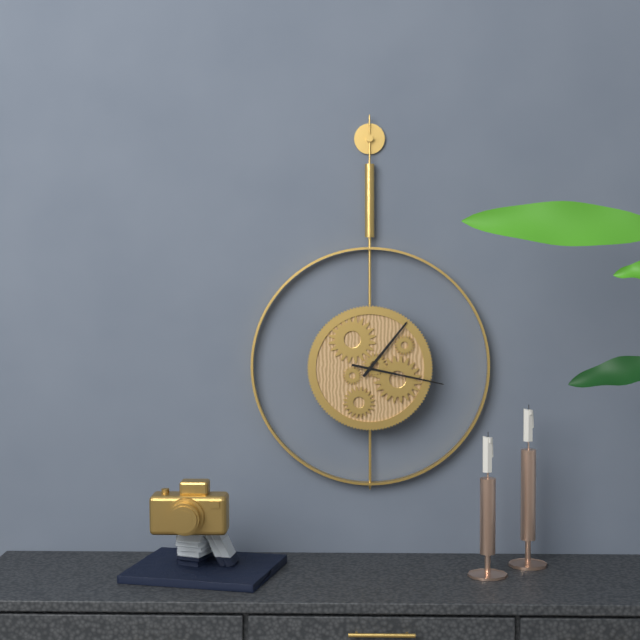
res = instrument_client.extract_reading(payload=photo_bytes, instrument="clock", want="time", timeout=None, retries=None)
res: 1:17
